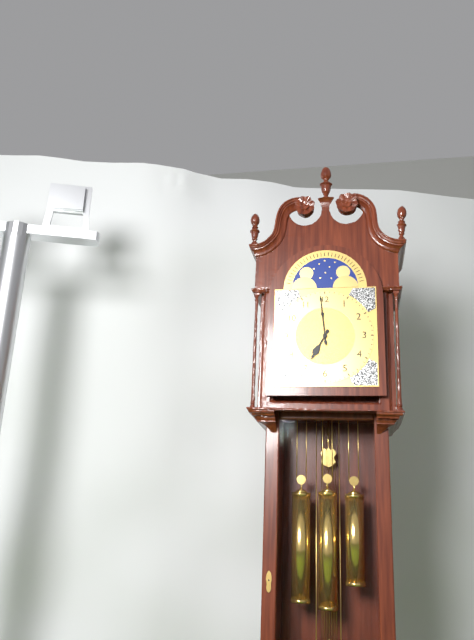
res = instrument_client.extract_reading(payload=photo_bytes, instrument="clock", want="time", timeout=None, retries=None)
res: 6:59
